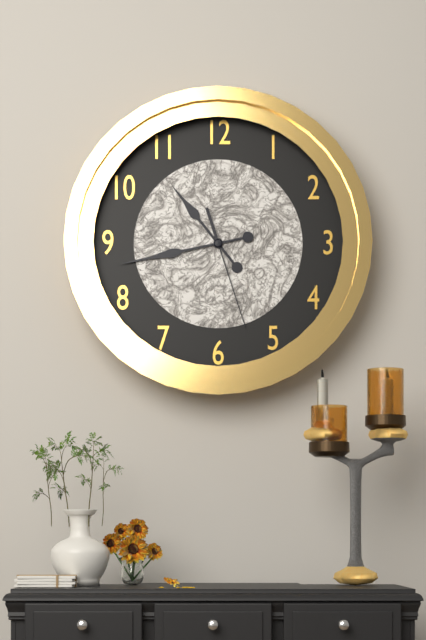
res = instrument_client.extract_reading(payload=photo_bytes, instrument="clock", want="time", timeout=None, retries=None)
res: 10:43:27
